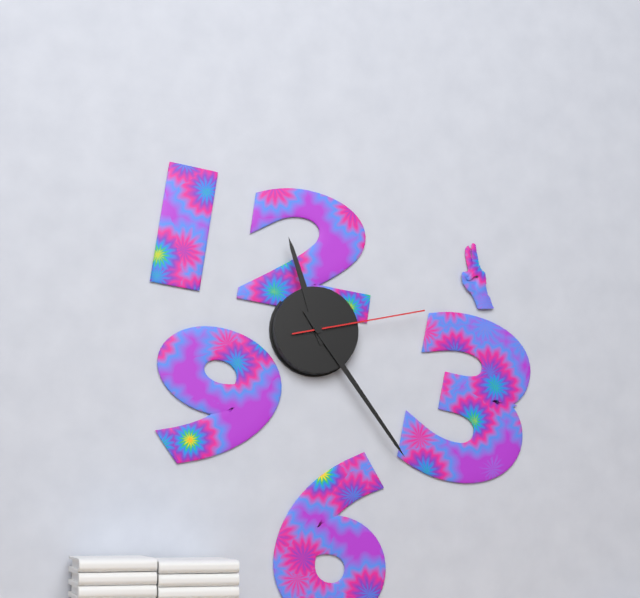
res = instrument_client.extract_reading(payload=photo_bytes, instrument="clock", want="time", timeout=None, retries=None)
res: 11:24:13
